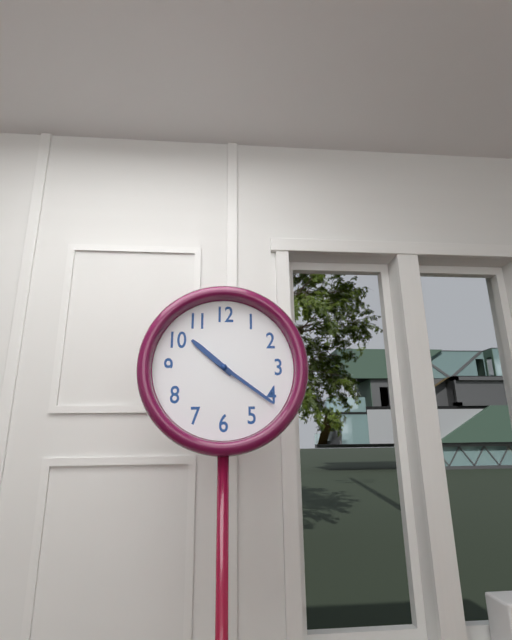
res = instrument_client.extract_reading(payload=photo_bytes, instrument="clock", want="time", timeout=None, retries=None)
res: 10:21
